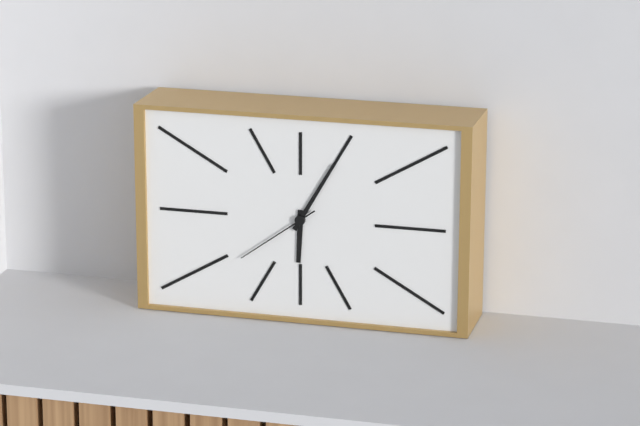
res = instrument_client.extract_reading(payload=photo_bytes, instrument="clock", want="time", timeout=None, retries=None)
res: 6:05:39
